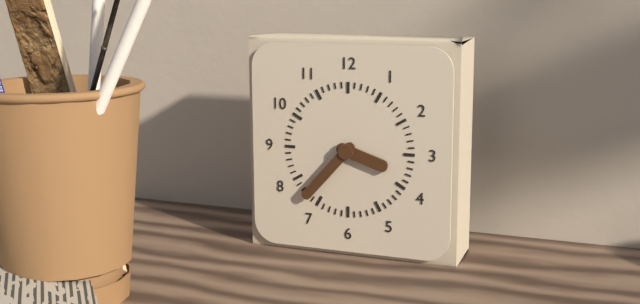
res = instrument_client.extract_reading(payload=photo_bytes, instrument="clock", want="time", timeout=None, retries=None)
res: 3:37
